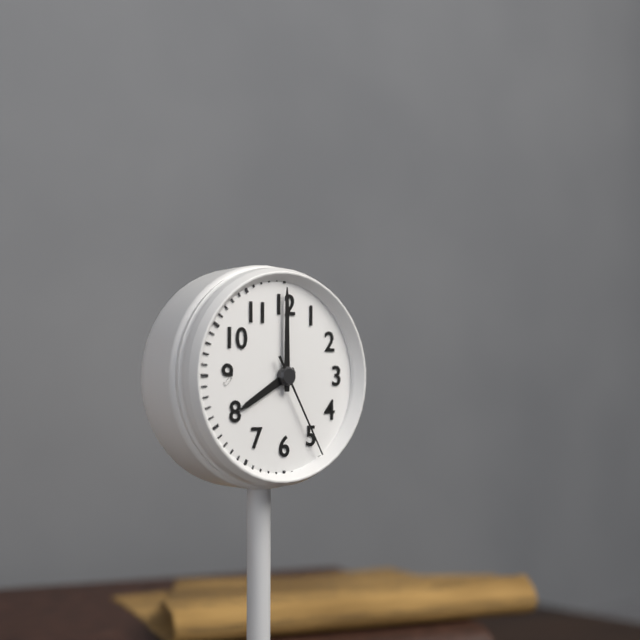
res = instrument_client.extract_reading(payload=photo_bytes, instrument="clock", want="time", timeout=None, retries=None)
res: 8:00:25
